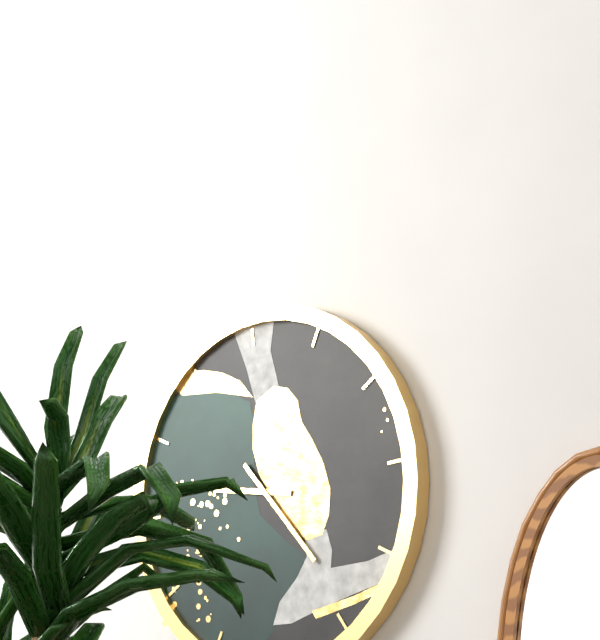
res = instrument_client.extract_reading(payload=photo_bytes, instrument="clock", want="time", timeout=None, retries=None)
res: 9:24
